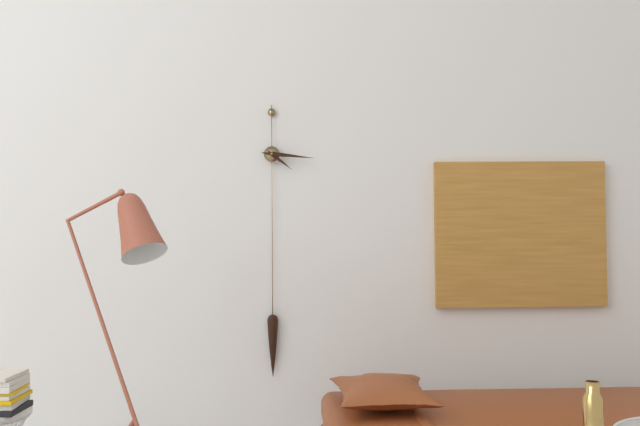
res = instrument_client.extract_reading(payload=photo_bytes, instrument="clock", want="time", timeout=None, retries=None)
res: 4:16
